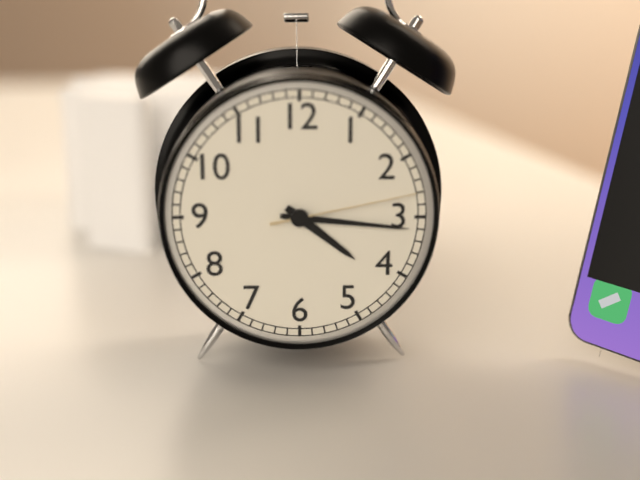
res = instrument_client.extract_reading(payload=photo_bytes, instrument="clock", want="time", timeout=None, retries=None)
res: 4:16:13
